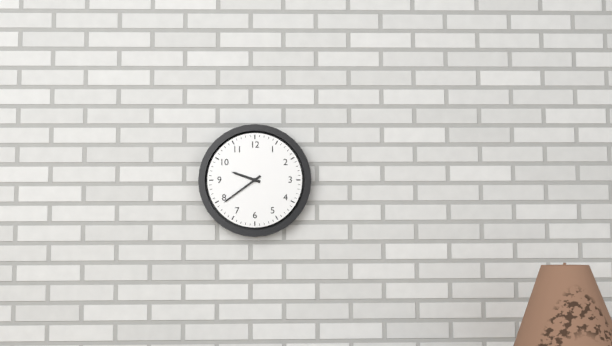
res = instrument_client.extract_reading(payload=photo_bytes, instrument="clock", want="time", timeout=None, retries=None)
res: 9:39
